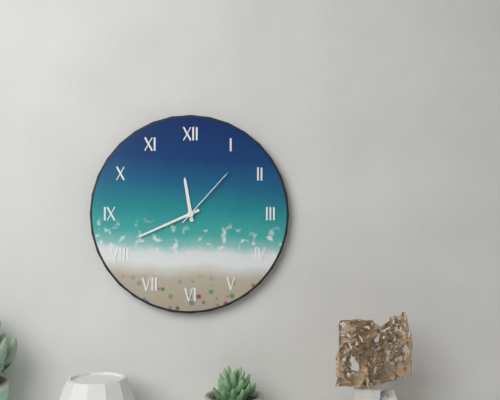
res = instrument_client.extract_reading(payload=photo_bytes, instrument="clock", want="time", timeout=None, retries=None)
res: 11:41:07
